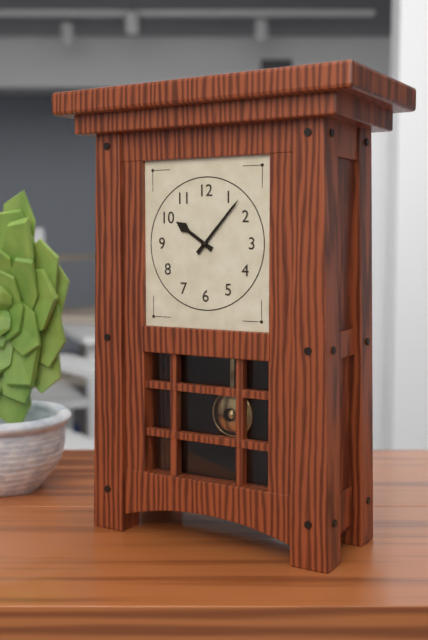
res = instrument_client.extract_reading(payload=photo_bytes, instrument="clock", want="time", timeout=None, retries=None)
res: 10:07
